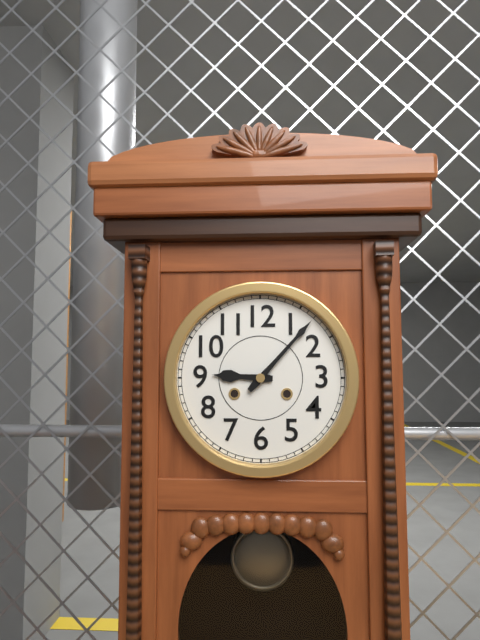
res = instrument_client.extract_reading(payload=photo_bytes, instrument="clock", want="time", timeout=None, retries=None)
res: 9:07
